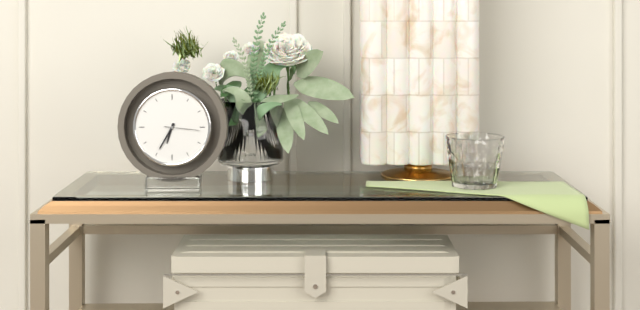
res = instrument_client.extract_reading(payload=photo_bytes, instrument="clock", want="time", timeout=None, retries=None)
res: 6:35
